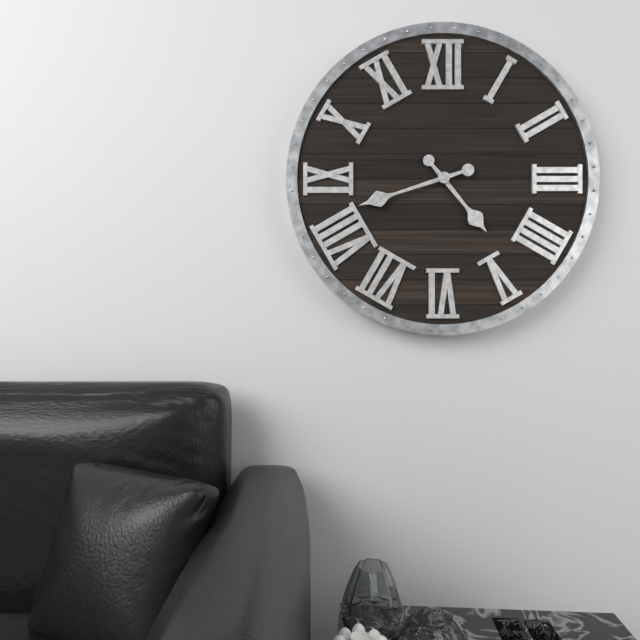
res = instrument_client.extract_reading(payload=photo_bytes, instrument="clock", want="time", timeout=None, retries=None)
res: 4:42
